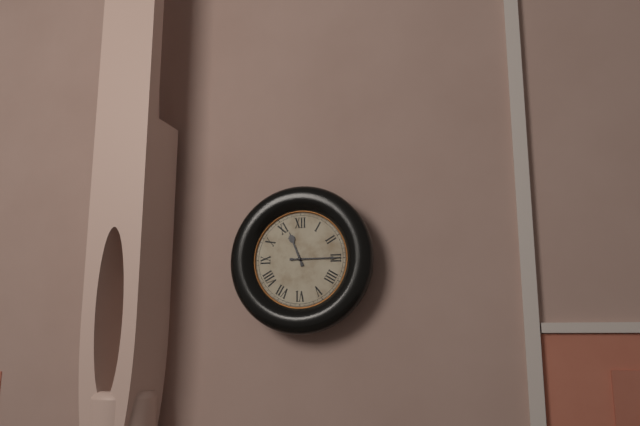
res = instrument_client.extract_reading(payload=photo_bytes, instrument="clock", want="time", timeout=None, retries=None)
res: 11:15
